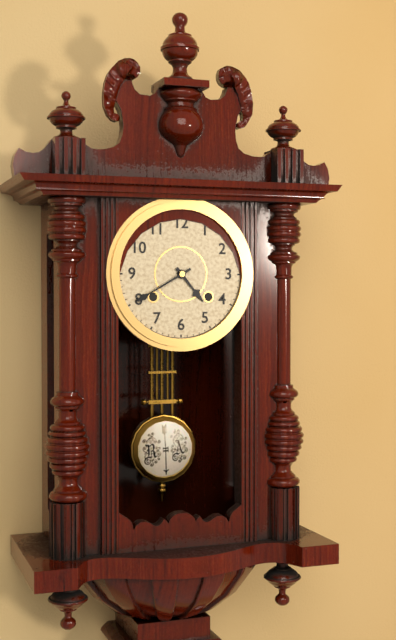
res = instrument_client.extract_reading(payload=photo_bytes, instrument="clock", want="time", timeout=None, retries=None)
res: 4:40
